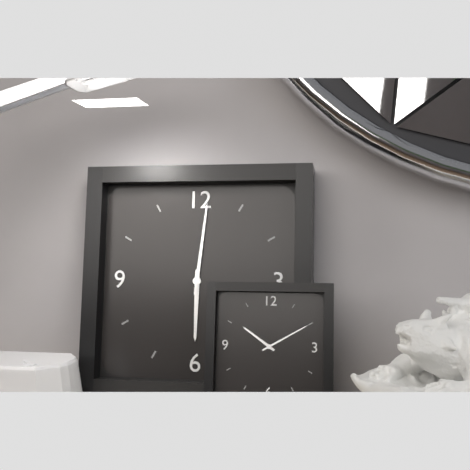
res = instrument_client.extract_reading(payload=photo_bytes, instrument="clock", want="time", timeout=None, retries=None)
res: 6:01
